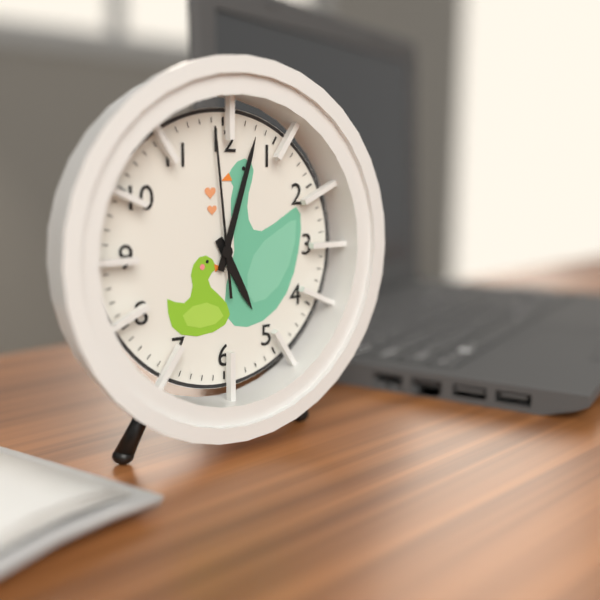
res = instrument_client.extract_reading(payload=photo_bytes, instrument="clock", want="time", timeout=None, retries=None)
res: 5:03:59
